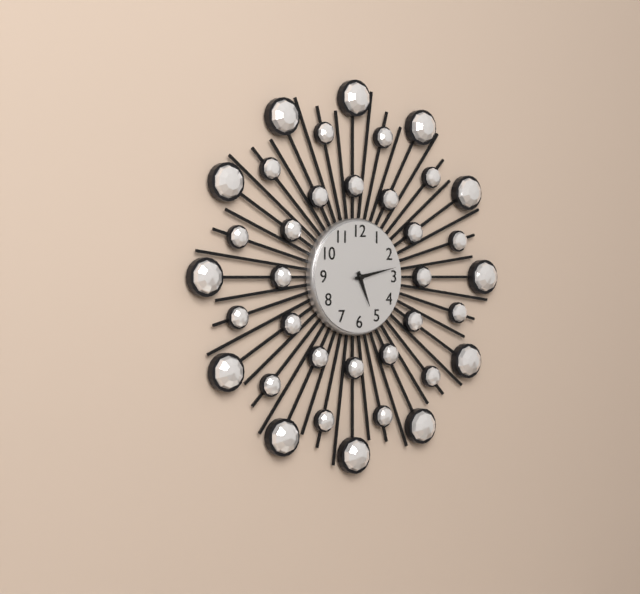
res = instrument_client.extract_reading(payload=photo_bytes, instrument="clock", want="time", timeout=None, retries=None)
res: 5:13
